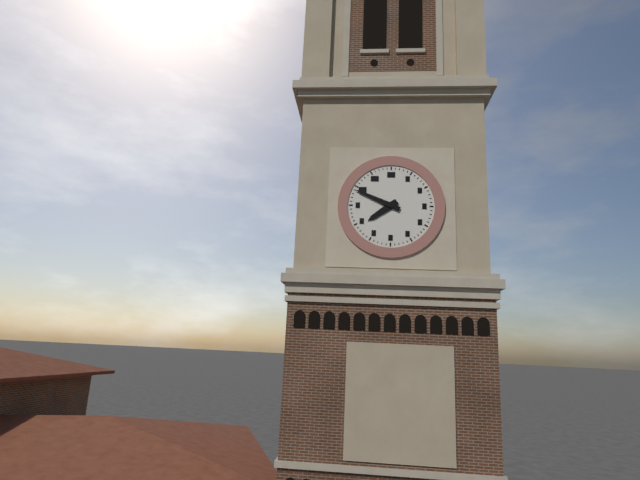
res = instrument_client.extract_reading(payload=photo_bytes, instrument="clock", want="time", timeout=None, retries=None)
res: 7:49
